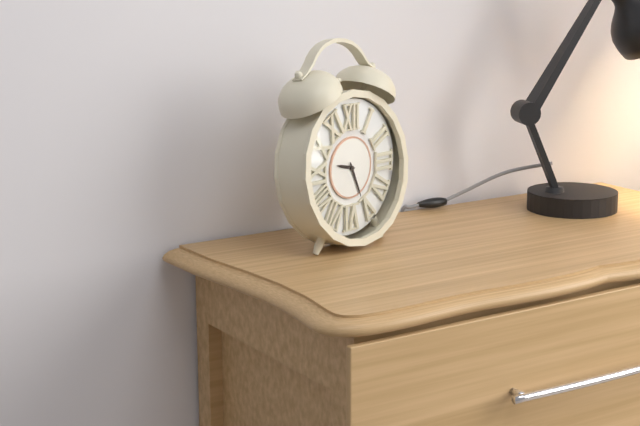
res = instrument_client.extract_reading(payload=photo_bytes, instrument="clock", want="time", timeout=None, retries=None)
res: 9:26
